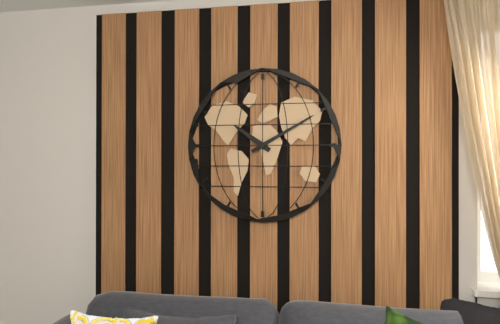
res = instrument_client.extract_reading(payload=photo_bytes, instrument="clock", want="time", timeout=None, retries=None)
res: 10:10
